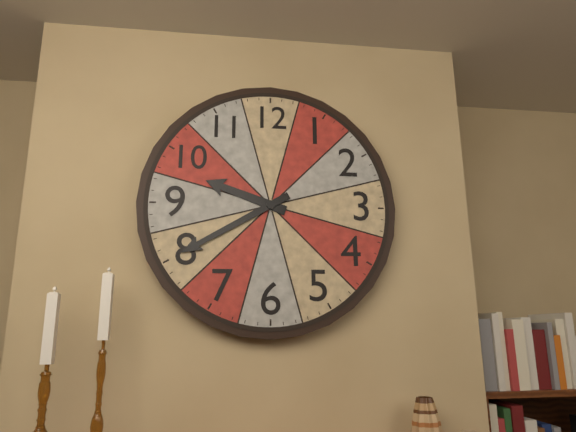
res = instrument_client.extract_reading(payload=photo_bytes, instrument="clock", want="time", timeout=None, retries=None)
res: 9:40
